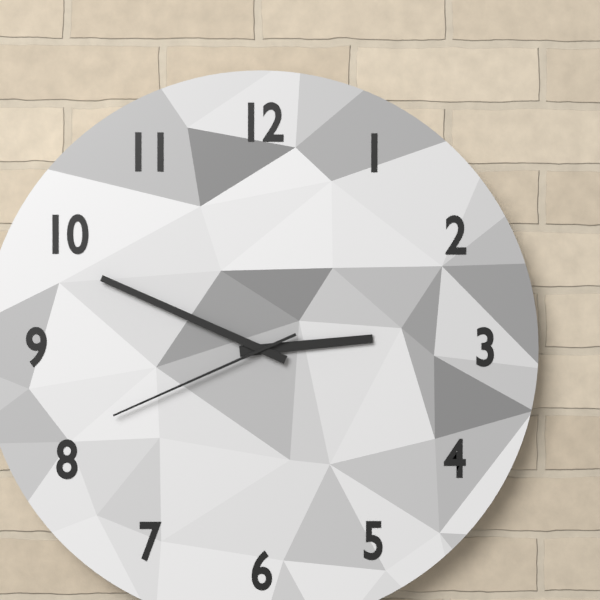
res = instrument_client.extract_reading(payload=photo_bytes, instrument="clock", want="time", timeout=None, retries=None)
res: 2:49:41
